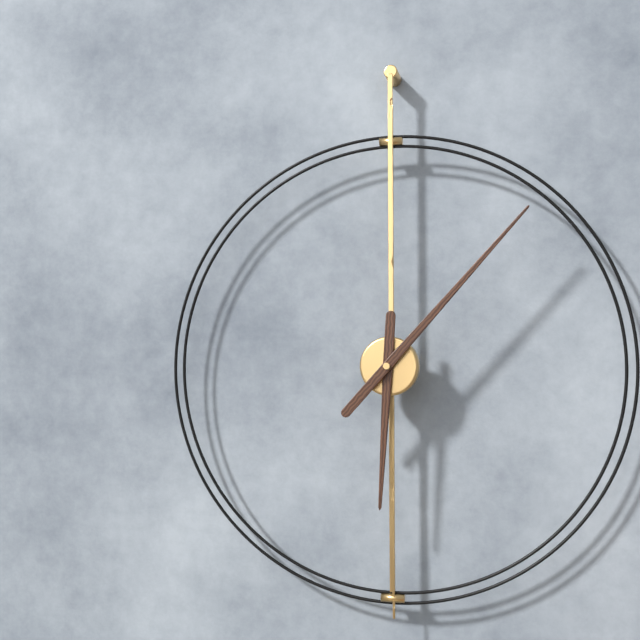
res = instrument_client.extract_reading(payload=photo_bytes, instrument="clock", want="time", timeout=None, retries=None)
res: 6:07
